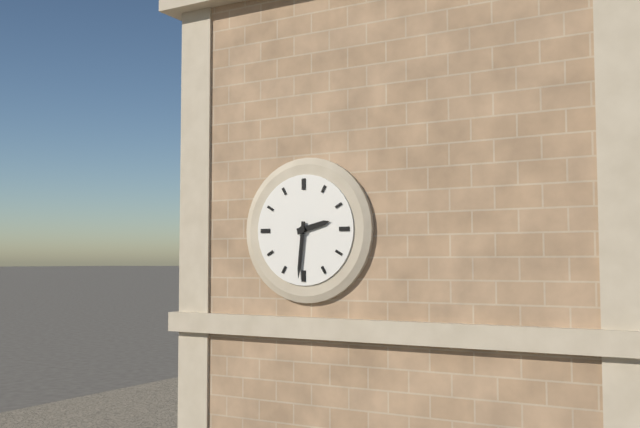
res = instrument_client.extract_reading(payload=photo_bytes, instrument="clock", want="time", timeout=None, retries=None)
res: 2:31
